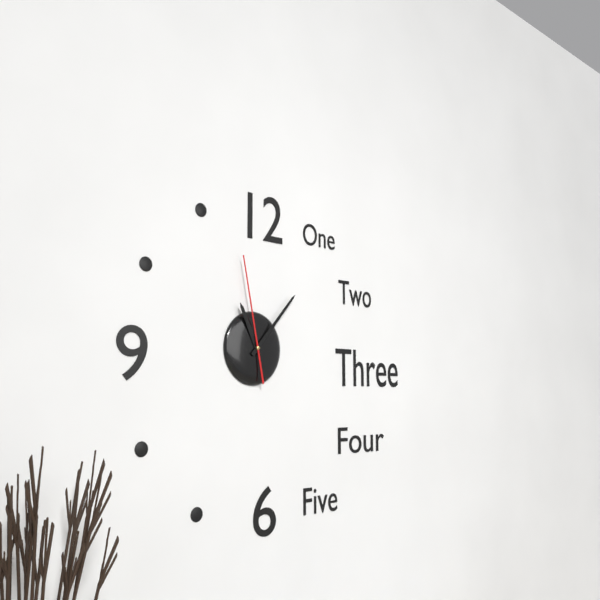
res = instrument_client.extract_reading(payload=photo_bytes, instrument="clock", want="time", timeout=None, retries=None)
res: 11:07:58
